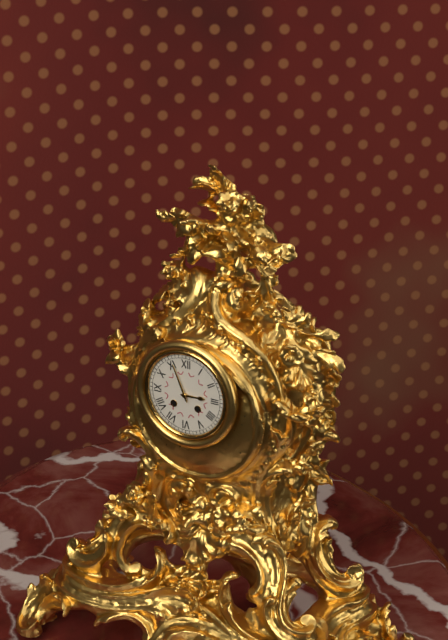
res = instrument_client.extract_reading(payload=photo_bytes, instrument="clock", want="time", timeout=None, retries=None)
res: 2:56
